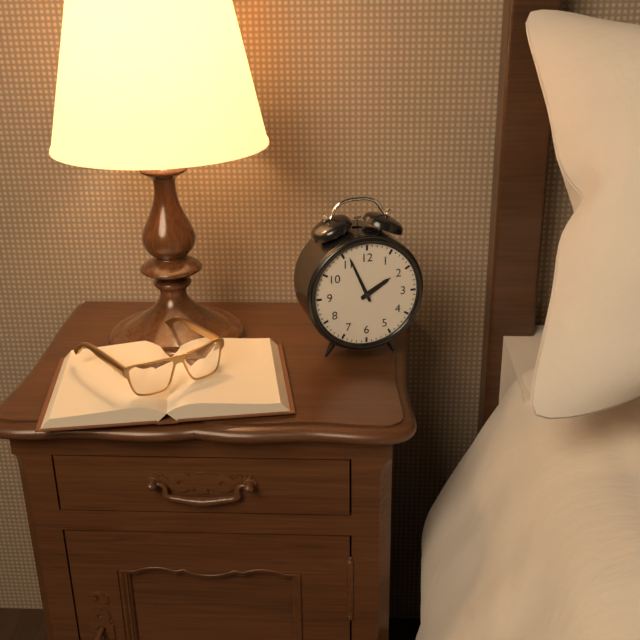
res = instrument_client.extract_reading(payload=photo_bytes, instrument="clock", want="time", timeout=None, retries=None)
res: 1:56
